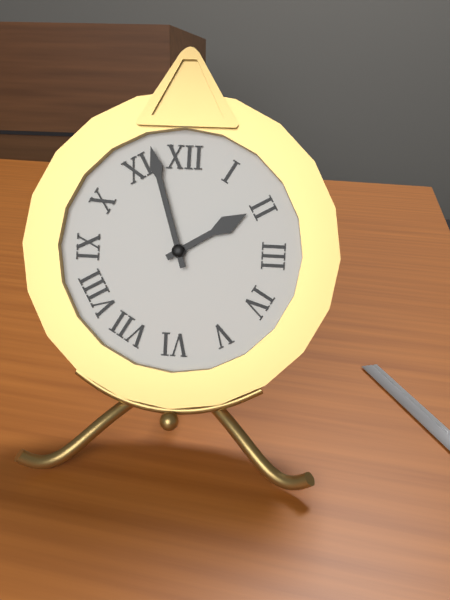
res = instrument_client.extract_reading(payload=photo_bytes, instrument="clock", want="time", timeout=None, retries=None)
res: 1:57
